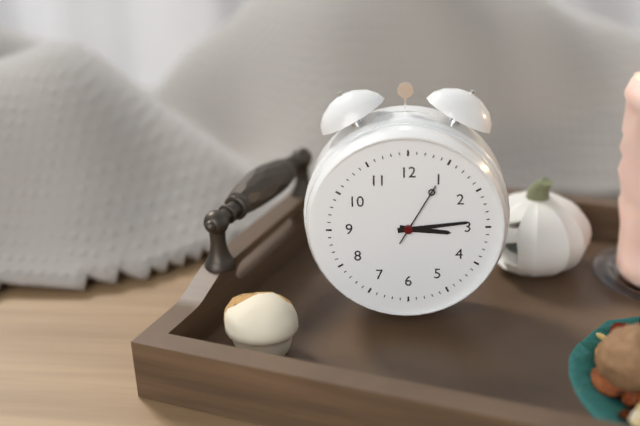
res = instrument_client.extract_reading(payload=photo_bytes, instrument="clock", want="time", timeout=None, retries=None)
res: 3:14:05
